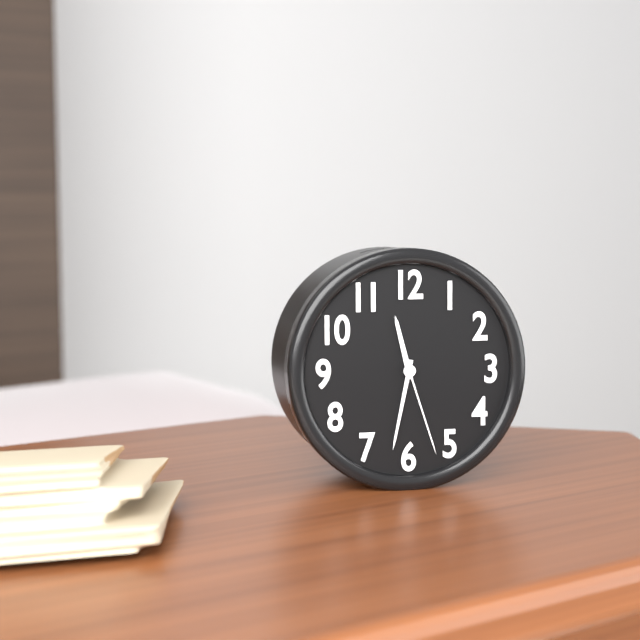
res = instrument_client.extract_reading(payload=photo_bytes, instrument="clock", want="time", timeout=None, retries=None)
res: 11:32:27
